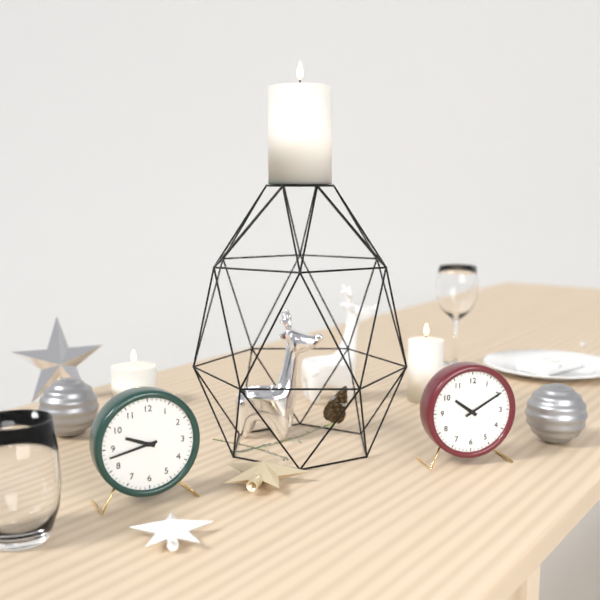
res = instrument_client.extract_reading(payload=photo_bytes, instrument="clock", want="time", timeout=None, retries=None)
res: 9:43
